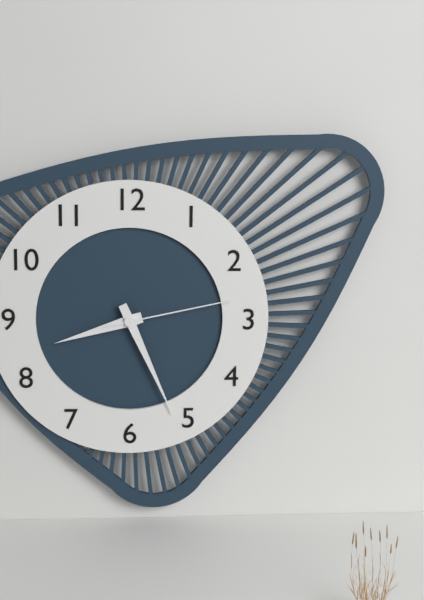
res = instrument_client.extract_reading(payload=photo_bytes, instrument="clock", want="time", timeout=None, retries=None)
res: 8:26:13
